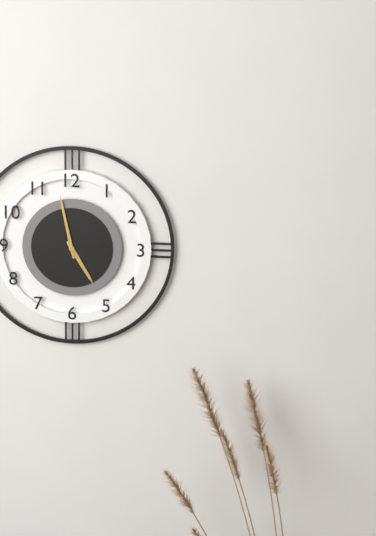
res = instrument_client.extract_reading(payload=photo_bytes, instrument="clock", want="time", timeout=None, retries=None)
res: 4:58
